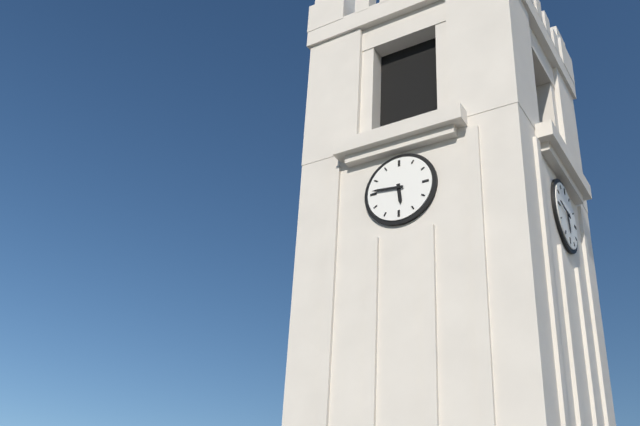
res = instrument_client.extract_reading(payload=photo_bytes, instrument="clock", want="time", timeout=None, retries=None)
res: 5:46
